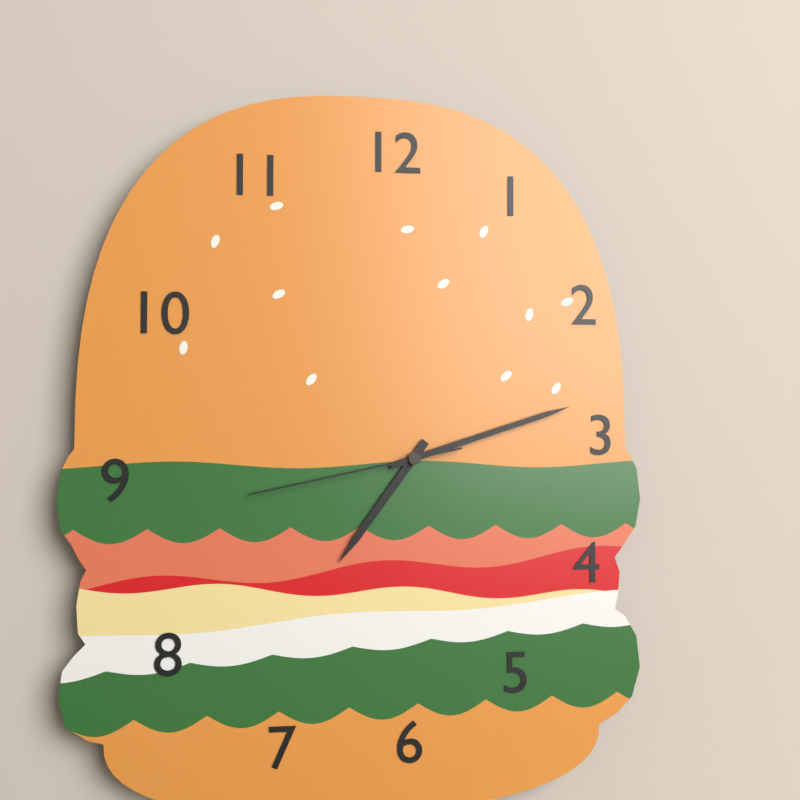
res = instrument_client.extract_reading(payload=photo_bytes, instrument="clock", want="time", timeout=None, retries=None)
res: 7:12:43
